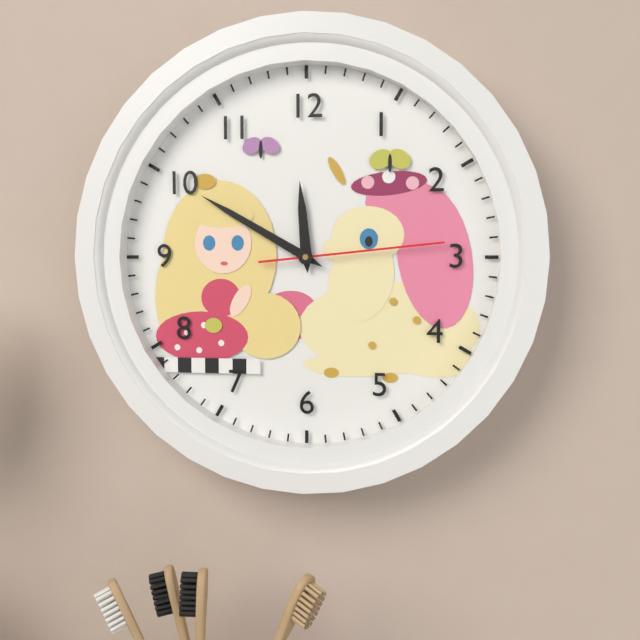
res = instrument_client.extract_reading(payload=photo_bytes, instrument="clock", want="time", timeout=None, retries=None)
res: 11:50:14
